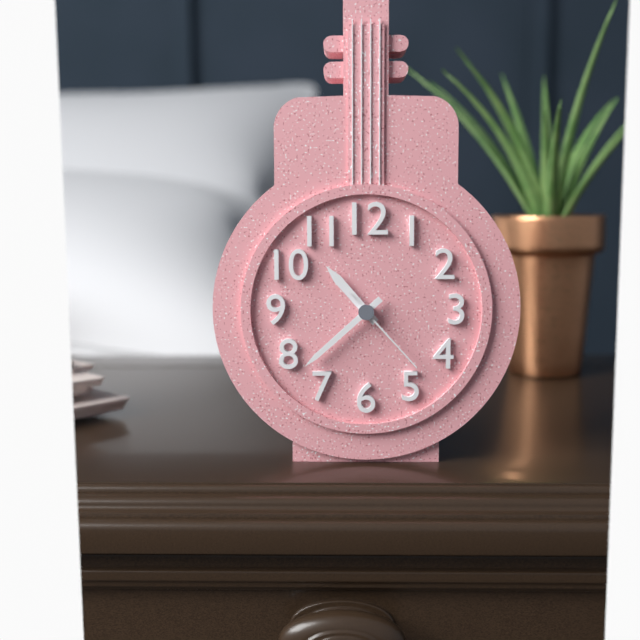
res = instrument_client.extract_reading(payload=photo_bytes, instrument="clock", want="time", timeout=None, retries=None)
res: 10:38:23
